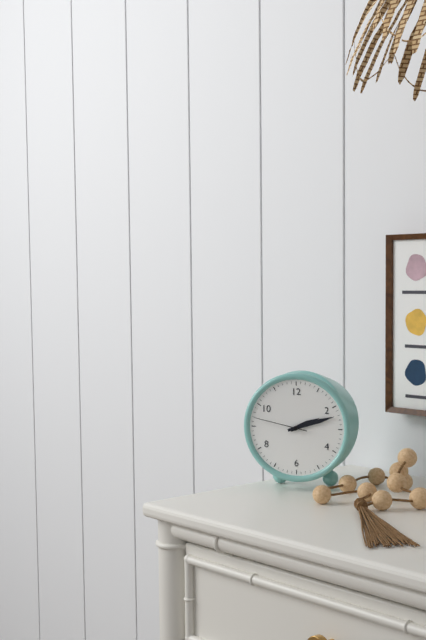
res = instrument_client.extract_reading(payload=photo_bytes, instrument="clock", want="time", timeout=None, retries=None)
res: 2:12:47
